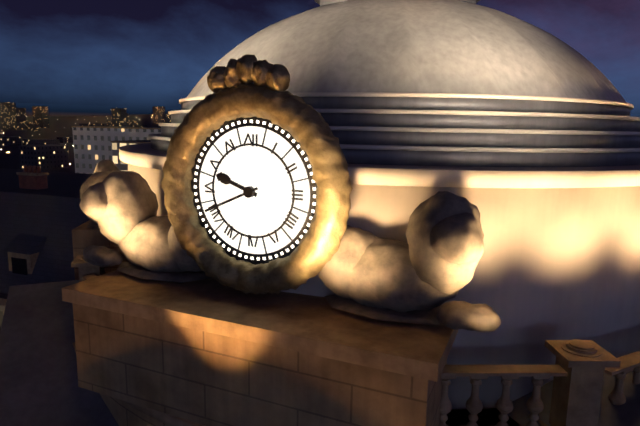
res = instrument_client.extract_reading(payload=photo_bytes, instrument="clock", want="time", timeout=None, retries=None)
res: 9:41
